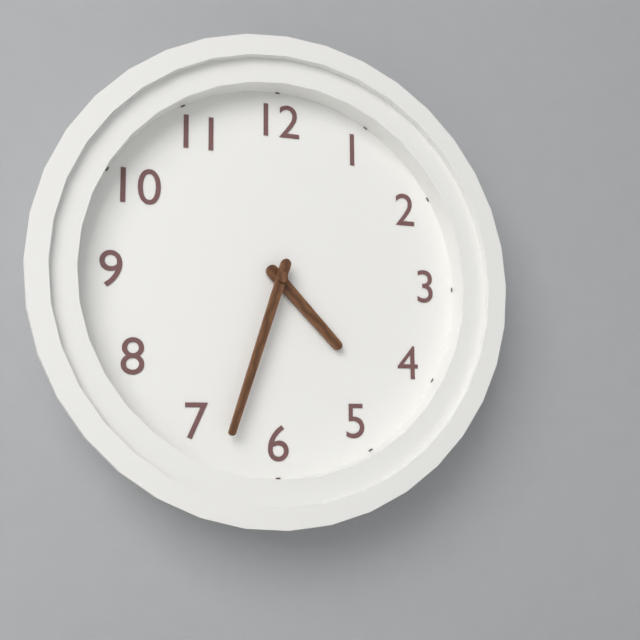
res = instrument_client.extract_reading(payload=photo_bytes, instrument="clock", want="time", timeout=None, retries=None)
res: 4:33
